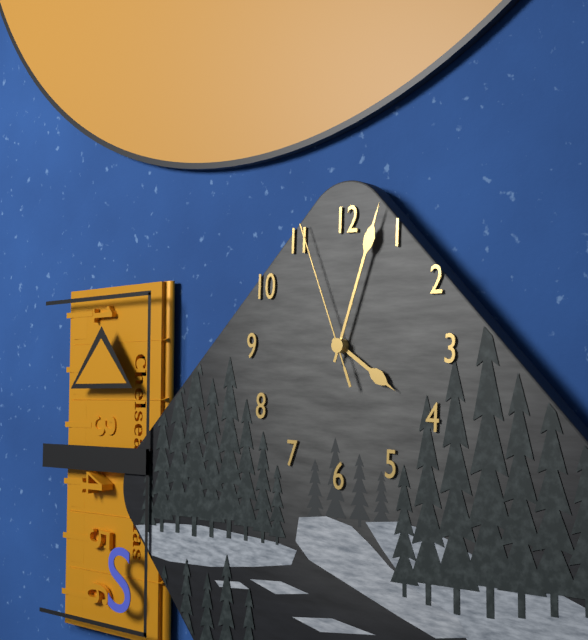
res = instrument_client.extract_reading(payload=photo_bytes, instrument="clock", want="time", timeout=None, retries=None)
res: 4:03:56
